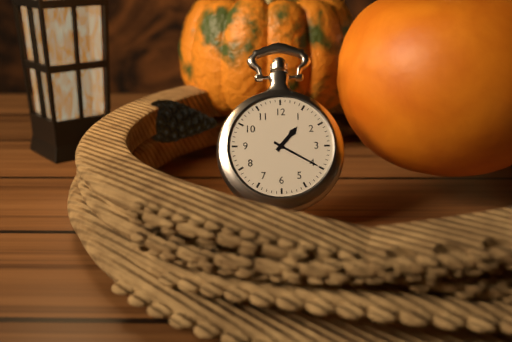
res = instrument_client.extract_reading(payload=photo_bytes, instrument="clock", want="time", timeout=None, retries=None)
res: 1:20
